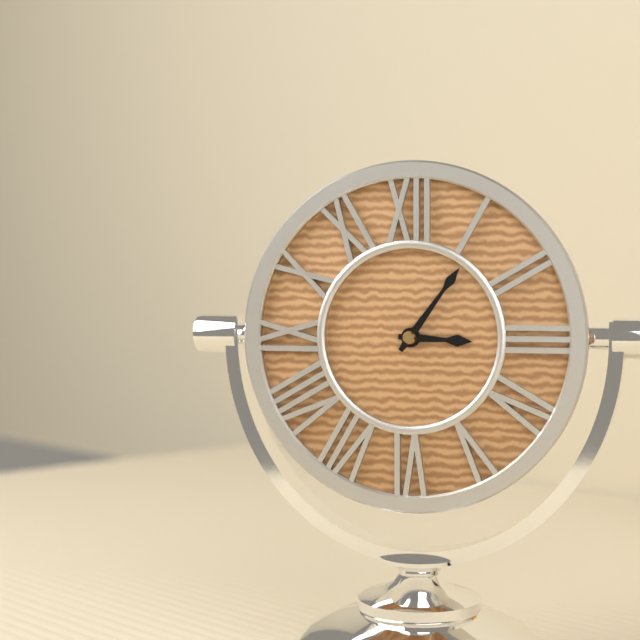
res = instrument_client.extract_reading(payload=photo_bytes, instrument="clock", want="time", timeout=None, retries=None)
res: 3:06
